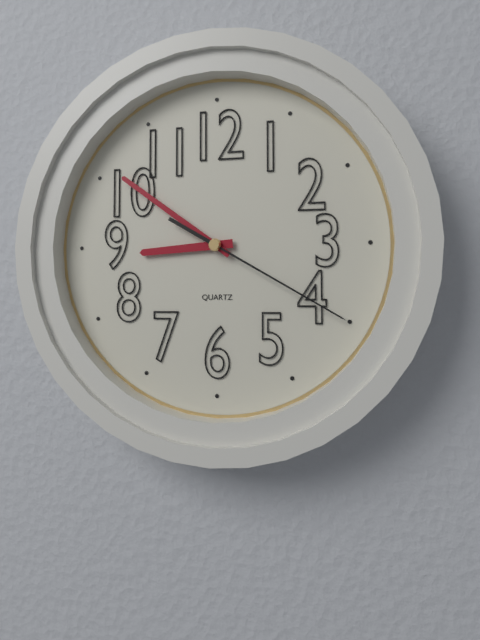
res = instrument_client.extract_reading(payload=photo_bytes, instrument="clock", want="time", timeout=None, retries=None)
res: 8:51:20
